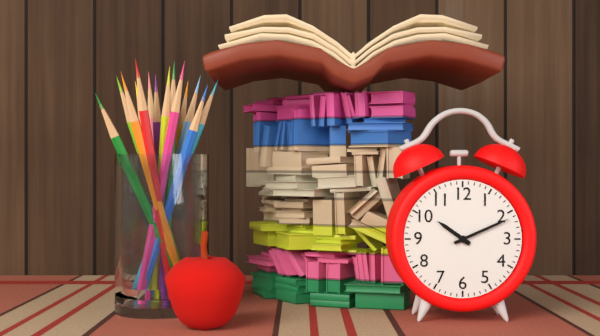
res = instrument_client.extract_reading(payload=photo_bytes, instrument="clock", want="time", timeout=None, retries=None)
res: 10:11
